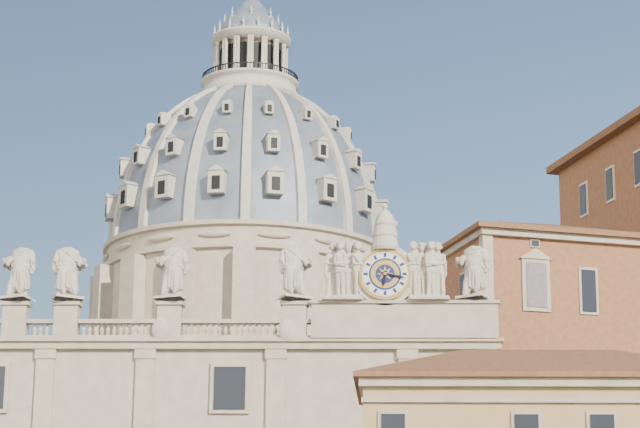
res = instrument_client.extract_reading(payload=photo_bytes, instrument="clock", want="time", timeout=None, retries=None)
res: 6:17
